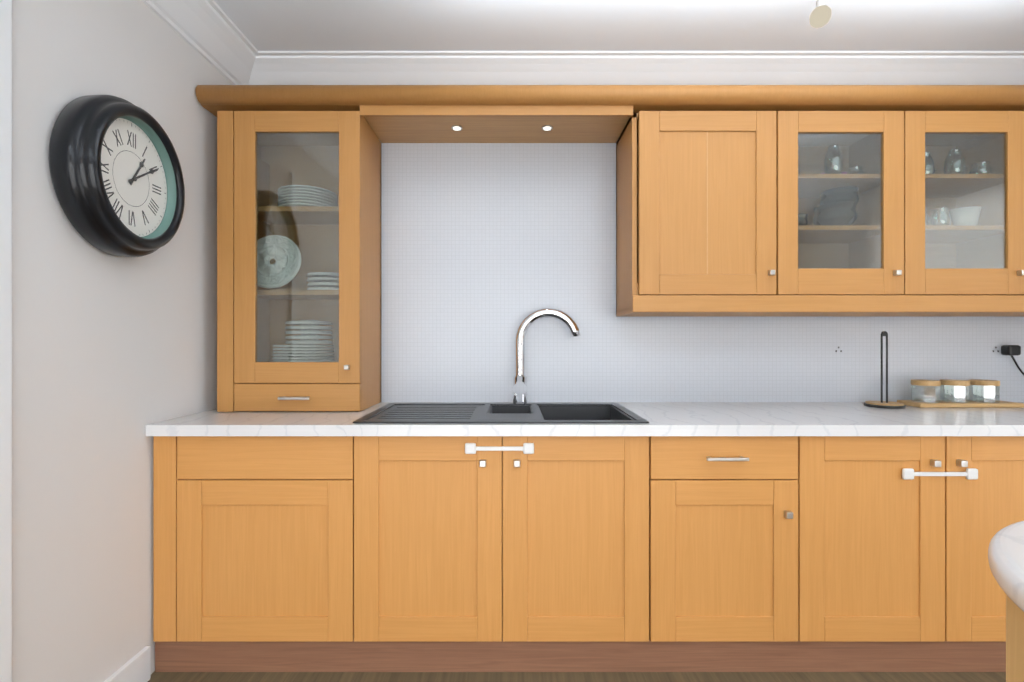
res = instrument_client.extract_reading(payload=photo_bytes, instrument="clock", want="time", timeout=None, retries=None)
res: 1:10
